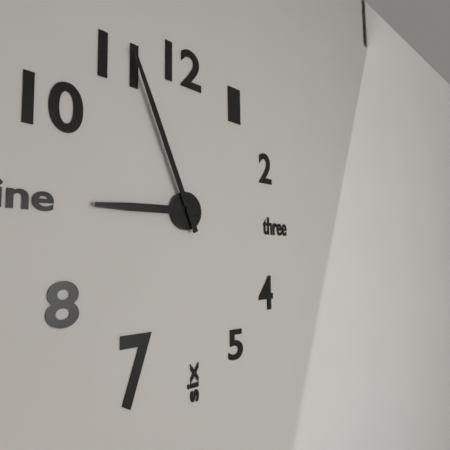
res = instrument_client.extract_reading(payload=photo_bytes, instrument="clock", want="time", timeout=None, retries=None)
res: 8:56
